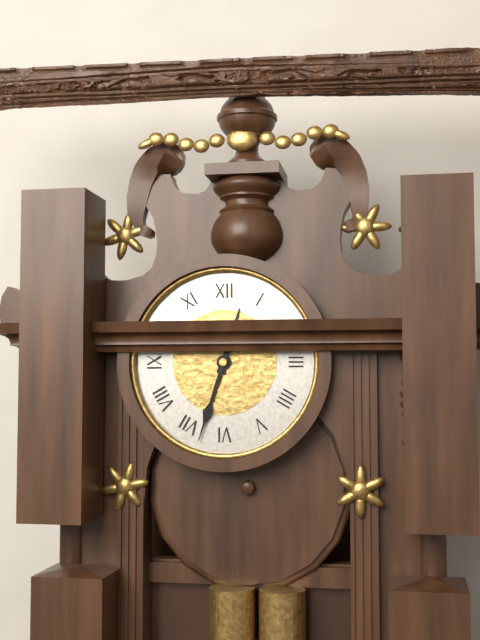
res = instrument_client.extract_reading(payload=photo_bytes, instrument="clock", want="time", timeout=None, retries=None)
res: 12:33
